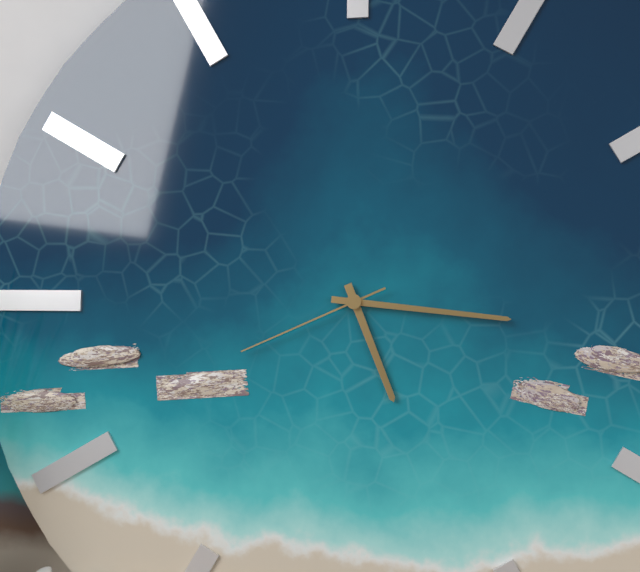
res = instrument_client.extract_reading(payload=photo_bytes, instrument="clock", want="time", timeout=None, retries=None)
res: 5:16:41
